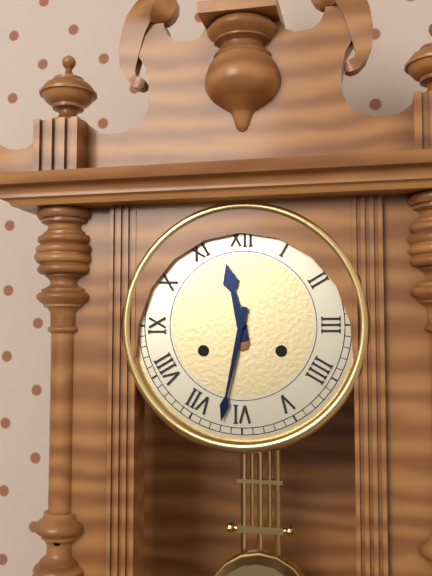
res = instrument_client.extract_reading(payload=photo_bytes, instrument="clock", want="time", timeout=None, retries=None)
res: 11:32
